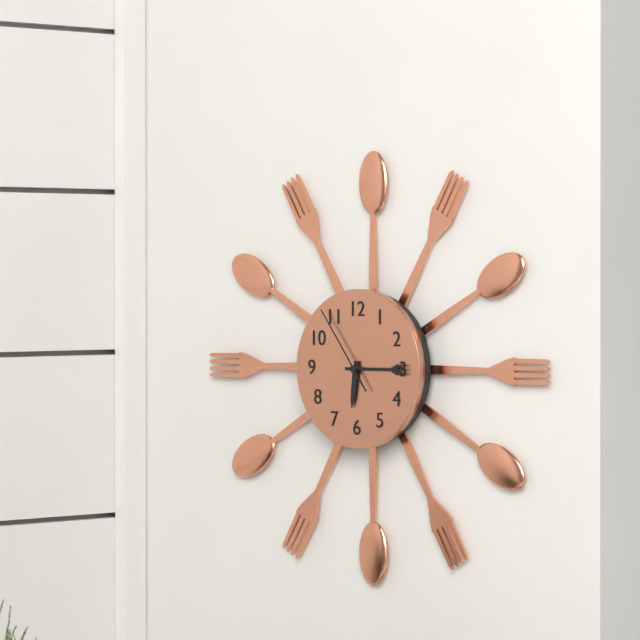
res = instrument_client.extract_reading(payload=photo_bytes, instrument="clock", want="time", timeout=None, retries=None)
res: 6:15:54
